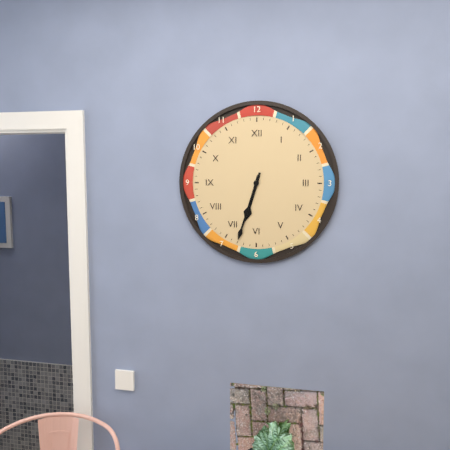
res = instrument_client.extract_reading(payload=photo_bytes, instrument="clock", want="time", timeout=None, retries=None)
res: 6:33
